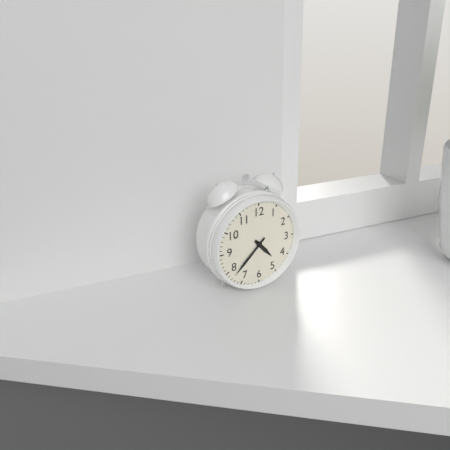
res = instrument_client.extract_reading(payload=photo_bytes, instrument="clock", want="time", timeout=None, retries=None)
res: 4:38
